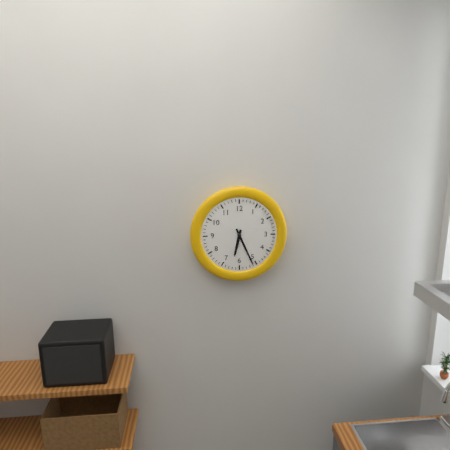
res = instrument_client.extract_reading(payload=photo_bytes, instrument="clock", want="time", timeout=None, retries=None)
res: 6:26
